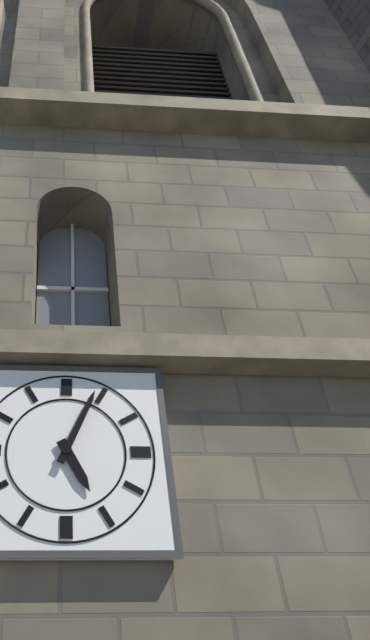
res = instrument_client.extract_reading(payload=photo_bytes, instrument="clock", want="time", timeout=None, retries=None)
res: 5:04
